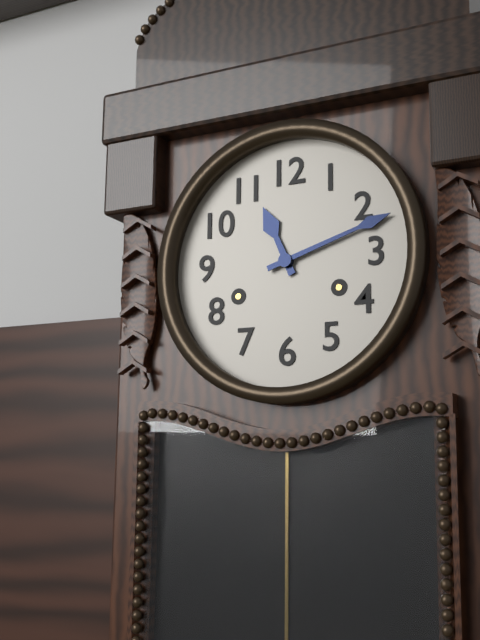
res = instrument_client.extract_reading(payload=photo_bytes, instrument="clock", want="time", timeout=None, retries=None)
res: 11:12
